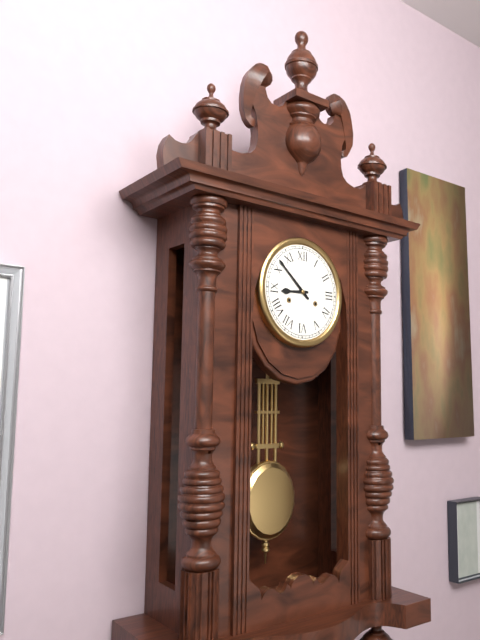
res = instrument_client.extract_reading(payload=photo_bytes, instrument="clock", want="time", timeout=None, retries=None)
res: 8:52
